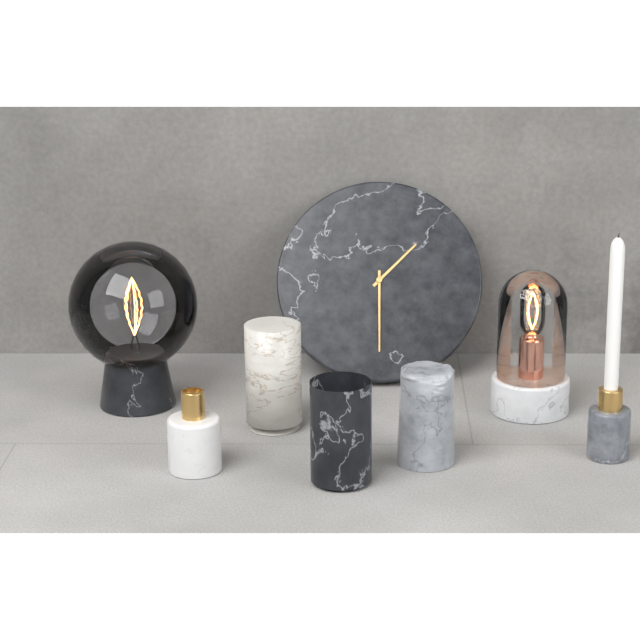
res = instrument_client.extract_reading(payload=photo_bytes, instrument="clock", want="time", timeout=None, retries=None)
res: 1:30
